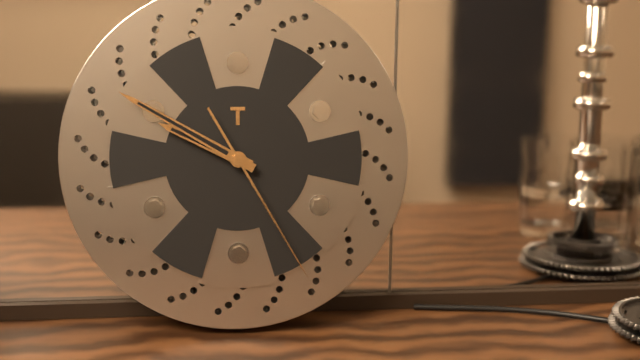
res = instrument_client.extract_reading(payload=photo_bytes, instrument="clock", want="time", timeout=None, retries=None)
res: 9:50:25
